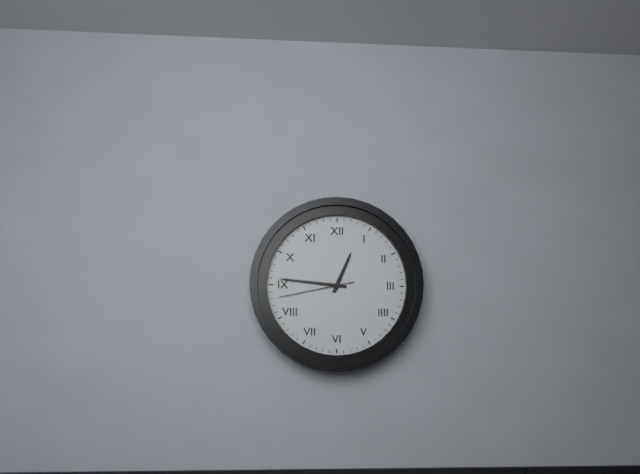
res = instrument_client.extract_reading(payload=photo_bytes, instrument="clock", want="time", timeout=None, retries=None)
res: 12:46:43
